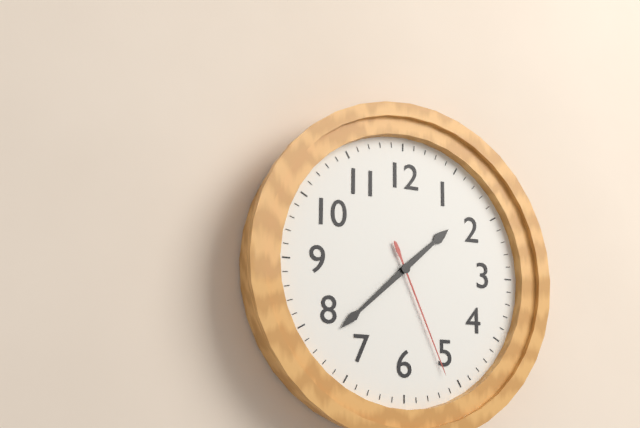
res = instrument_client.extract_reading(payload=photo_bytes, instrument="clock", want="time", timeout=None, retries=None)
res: 1:38:26
